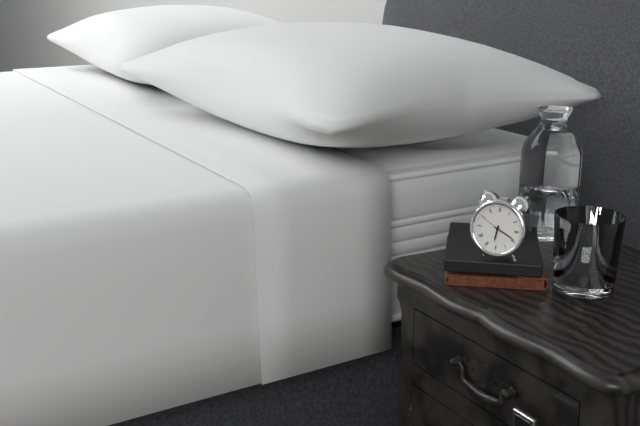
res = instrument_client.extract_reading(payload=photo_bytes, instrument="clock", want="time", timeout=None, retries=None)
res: 6:19
